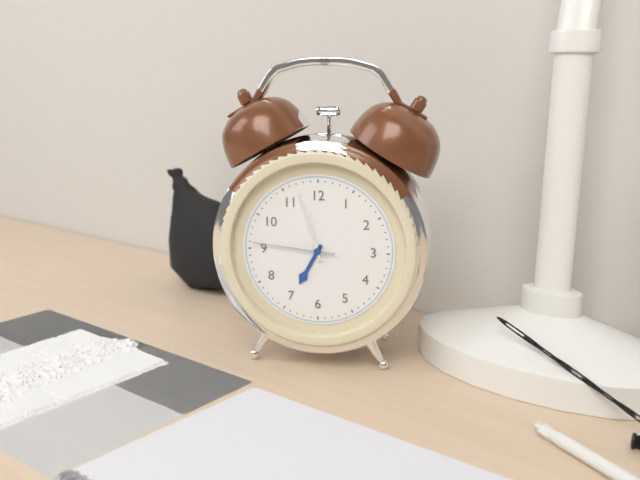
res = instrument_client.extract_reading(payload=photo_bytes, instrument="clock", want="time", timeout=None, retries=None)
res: 6:57:46
